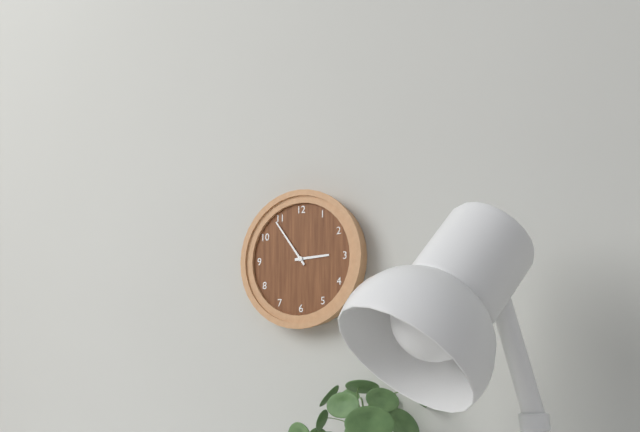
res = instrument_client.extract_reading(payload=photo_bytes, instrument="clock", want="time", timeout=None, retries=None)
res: 2:54
